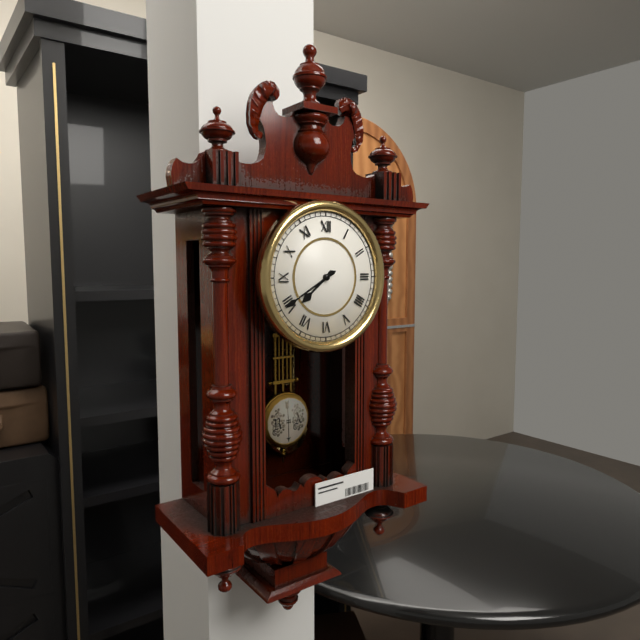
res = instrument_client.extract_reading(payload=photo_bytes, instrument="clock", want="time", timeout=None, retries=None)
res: 7:40
